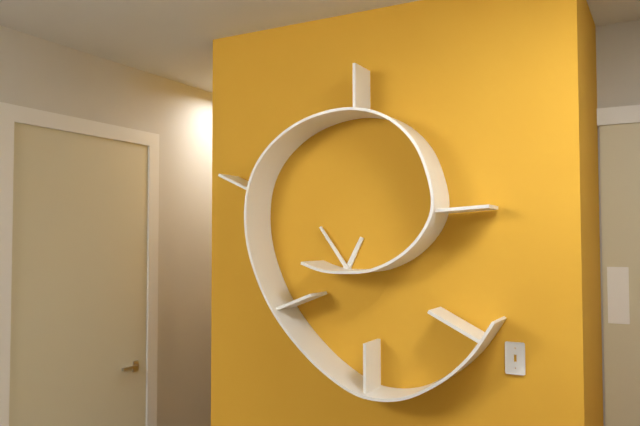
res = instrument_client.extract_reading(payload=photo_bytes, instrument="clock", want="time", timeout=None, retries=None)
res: 12:54
